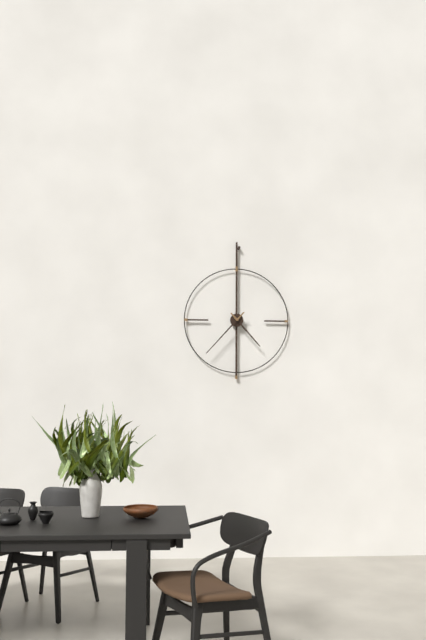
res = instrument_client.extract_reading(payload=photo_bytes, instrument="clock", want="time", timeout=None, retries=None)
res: 4:37
